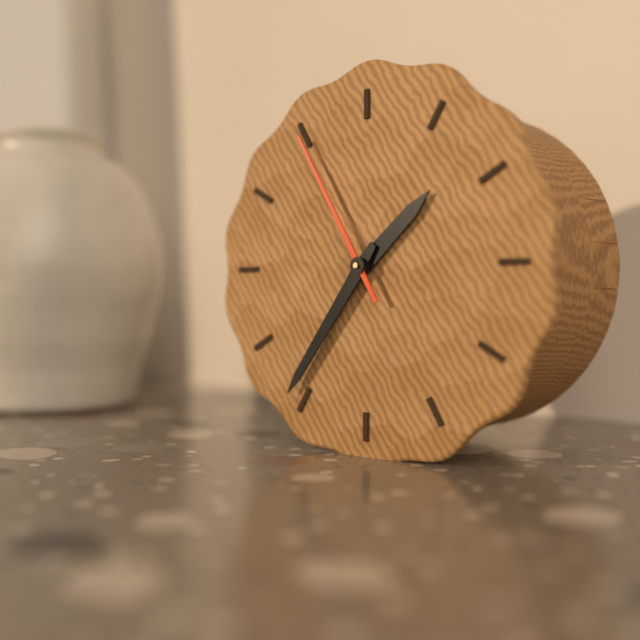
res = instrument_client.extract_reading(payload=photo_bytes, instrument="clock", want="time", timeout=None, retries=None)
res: 1:36:55
